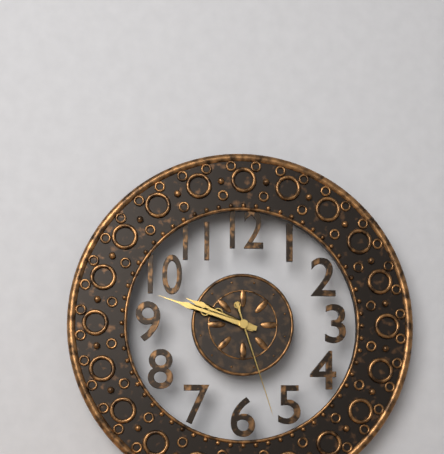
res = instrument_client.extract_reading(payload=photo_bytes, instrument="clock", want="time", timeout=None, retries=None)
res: 9:48:27
